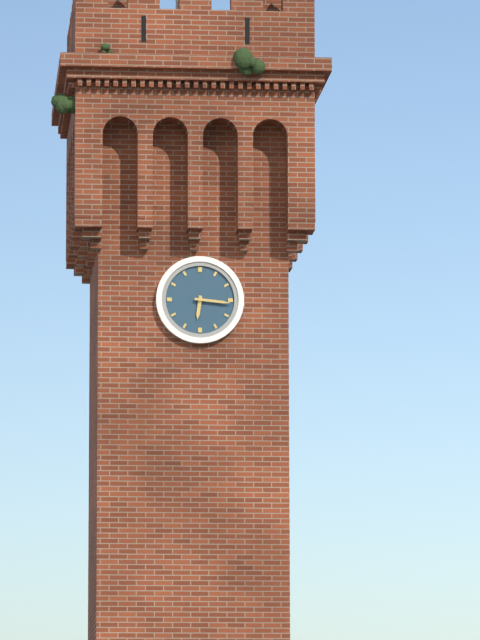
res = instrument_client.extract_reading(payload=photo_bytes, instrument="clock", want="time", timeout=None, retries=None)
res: 6:16
